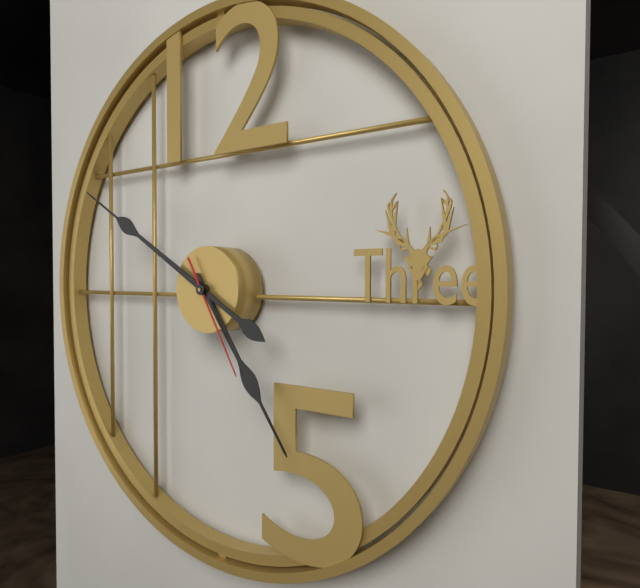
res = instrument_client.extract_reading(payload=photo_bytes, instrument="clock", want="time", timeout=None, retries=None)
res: 4:50:25
